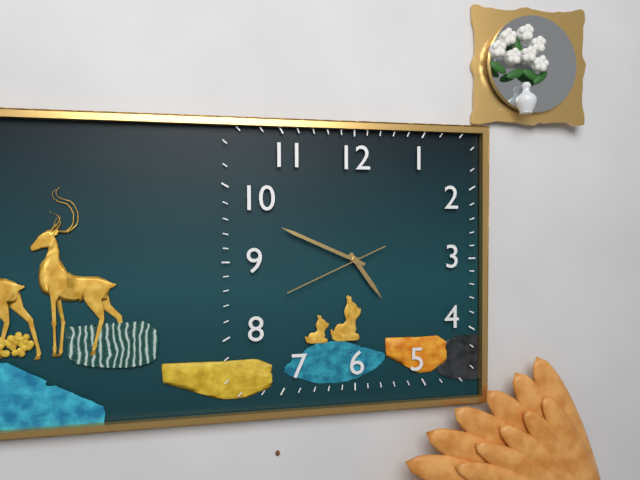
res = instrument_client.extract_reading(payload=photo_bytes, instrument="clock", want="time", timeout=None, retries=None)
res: 4:49:41
